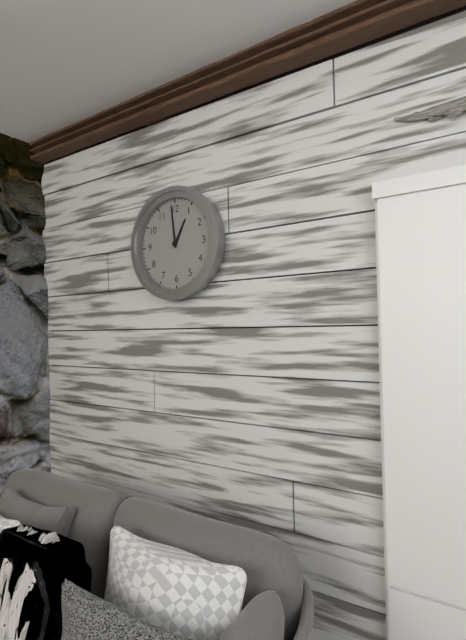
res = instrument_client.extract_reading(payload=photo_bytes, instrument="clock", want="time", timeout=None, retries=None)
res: 12:59
